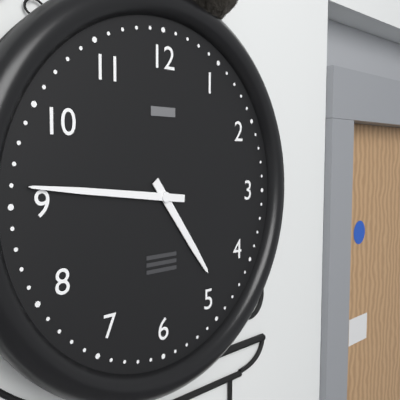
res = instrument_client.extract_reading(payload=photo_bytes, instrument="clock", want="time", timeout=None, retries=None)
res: 4:46
